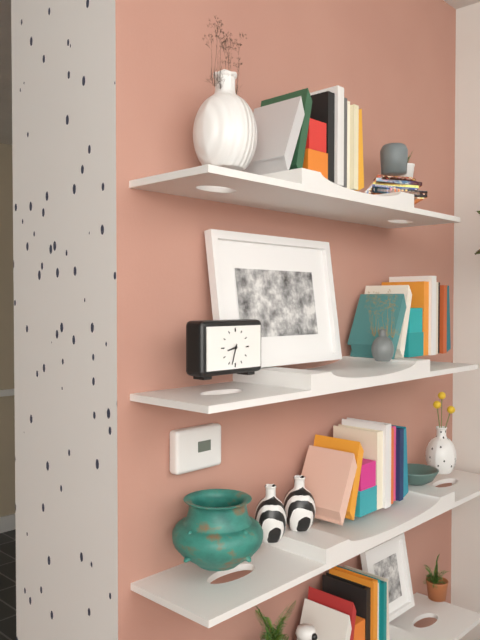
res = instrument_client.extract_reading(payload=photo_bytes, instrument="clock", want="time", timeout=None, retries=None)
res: 8:33
